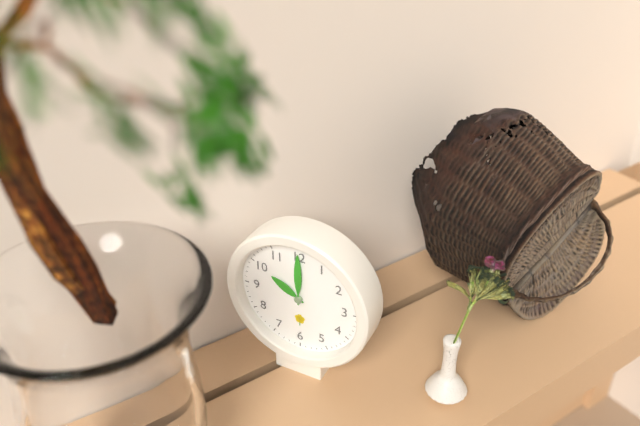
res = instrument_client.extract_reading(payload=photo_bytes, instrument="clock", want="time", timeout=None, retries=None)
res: 10:00
